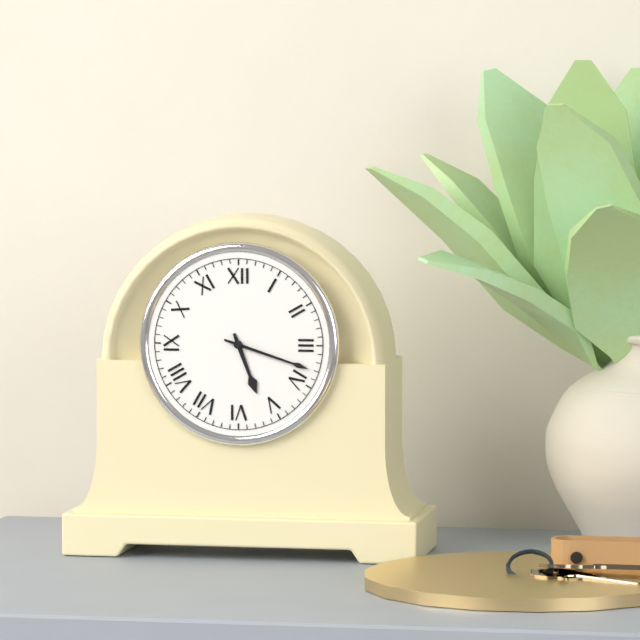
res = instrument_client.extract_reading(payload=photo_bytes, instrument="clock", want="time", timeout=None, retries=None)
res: 5:18
